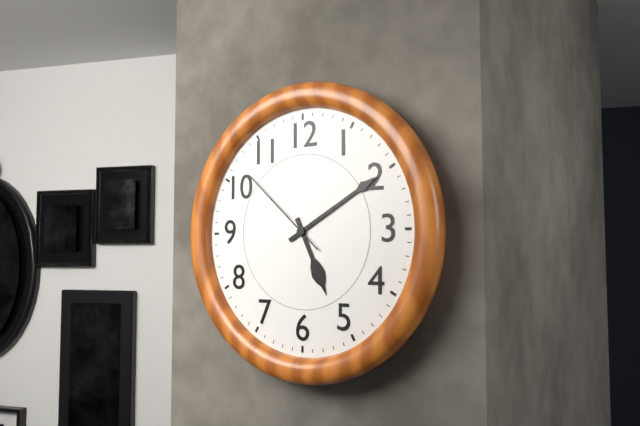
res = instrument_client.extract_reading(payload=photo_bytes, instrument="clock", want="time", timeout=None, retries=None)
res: 5:10:52
